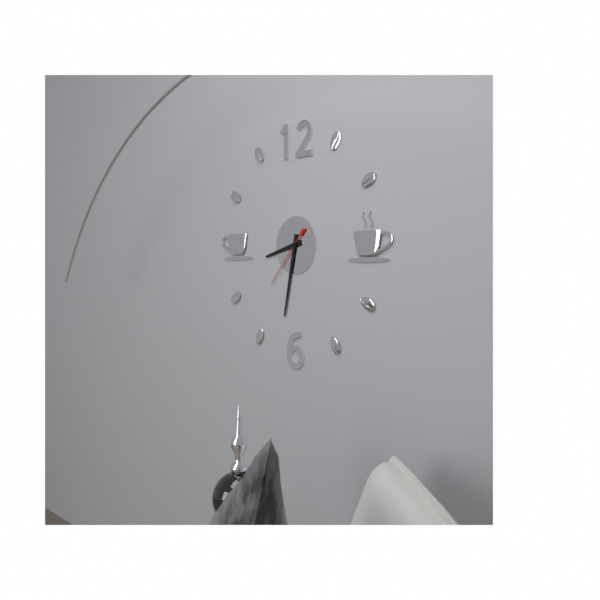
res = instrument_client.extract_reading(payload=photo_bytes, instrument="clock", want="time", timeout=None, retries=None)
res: 8:32:37
